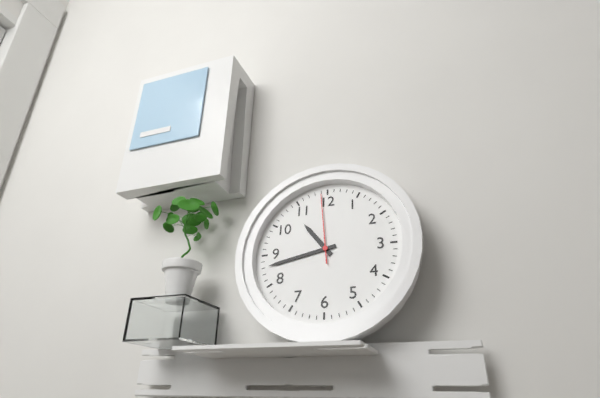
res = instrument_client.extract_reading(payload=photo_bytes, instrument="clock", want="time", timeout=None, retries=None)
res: 10:43:59
